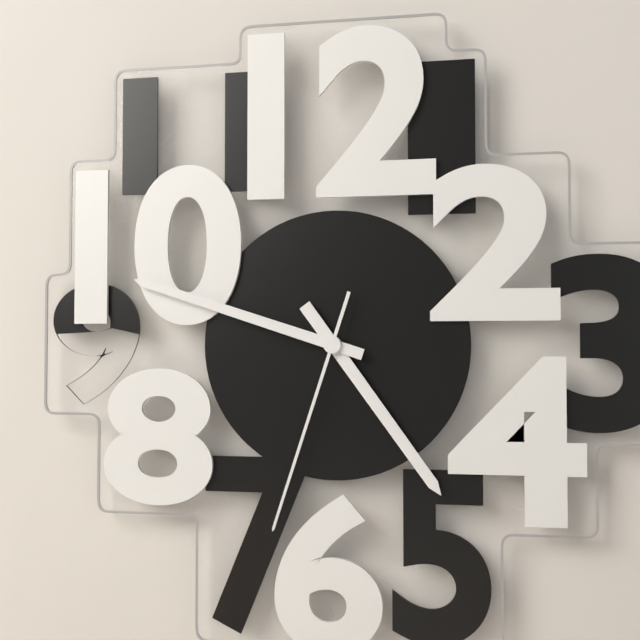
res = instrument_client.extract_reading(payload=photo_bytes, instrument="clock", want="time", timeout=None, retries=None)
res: 4:48:33
